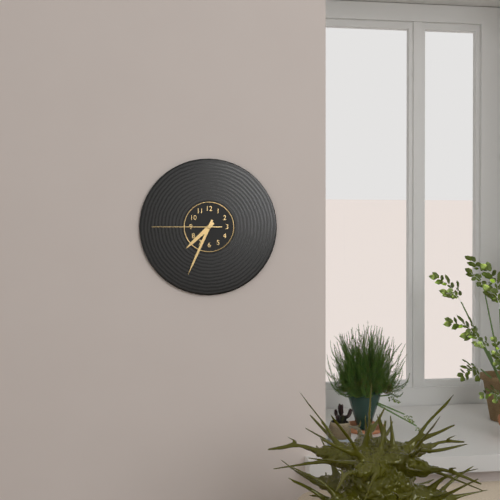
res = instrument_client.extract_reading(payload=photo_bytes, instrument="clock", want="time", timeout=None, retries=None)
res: 7:34:45
